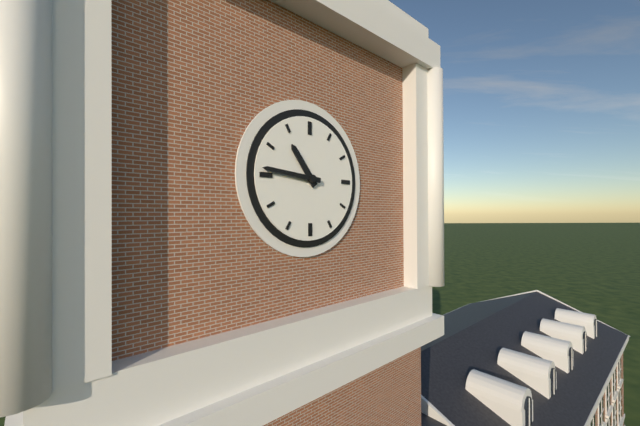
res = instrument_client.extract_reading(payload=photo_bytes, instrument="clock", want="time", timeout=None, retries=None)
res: 10:46
